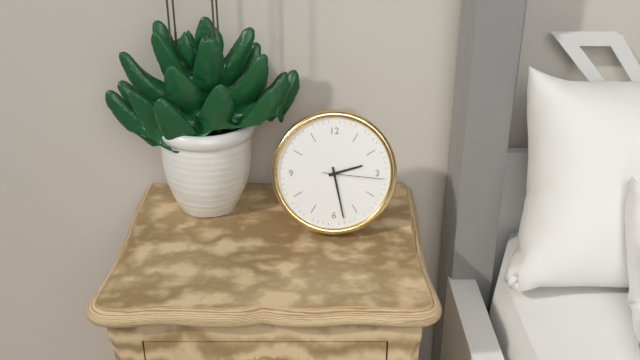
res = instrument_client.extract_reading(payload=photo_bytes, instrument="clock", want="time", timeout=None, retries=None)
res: 2:28:16
